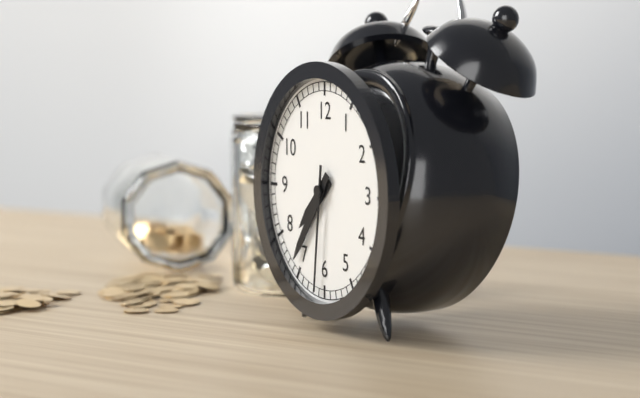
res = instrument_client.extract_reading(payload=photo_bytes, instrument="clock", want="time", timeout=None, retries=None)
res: 7:36:31
